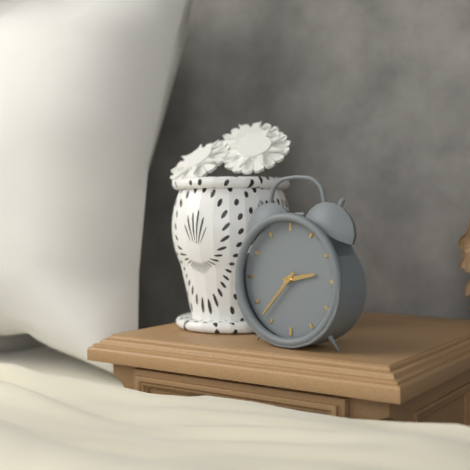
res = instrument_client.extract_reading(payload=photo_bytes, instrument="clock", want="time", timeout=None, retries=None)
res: 2:37
